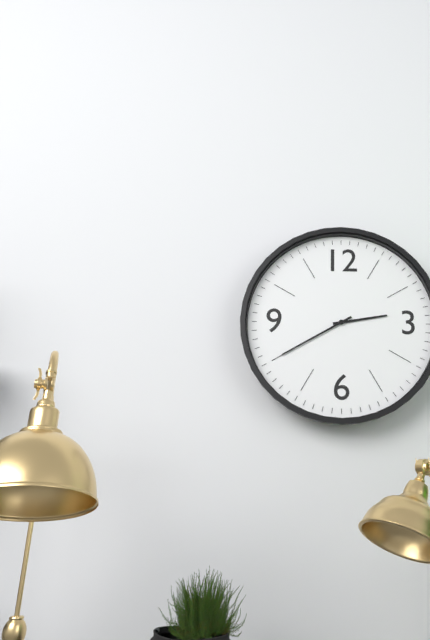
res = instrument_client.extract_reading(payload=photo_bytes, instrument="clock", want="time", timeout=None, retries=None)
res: 2:40
